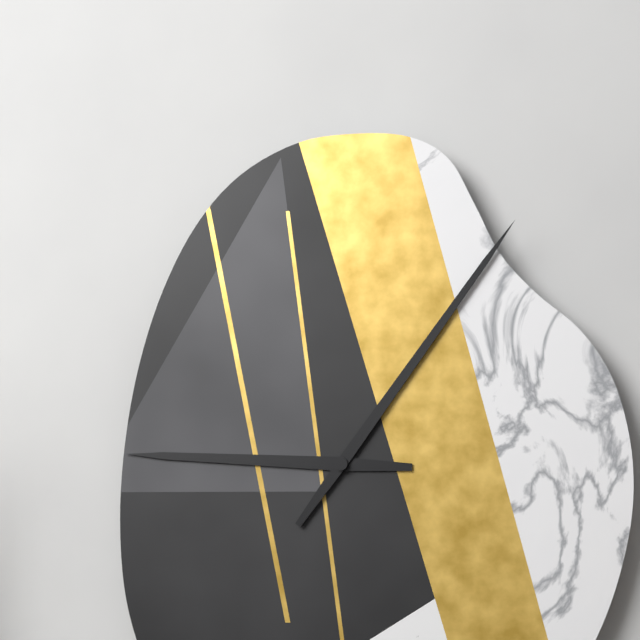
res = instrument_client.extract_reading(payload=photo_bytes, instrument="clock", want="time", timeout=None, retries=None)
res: 9:06
